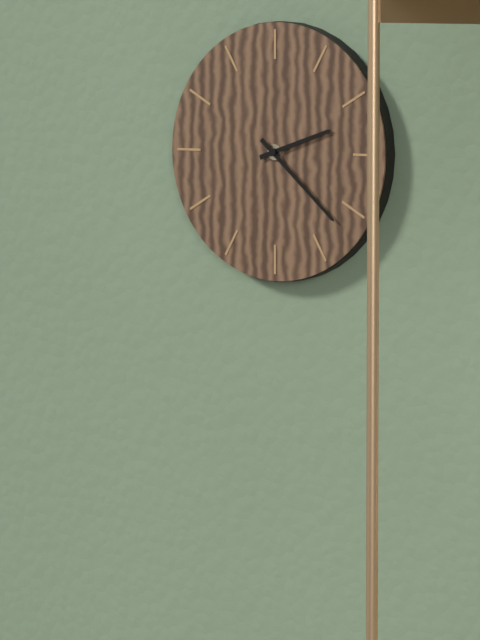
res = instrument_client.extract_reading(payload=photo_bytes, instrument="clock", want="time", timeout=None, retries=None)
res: 2:22
